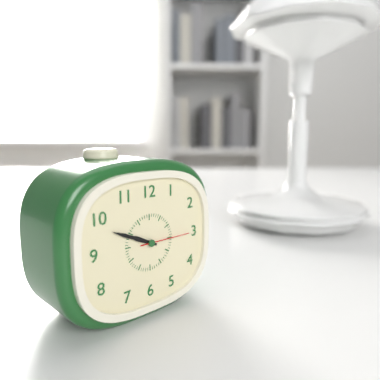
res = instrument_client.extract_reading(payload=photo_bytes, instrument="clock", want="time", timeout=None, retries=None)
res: 9:49
